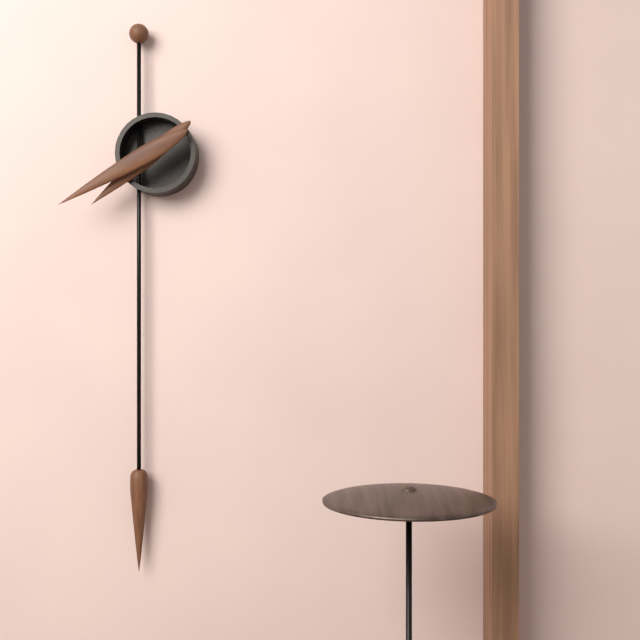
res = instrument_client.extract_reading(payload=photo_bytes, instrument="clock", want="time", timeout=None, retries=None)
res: 7:40
